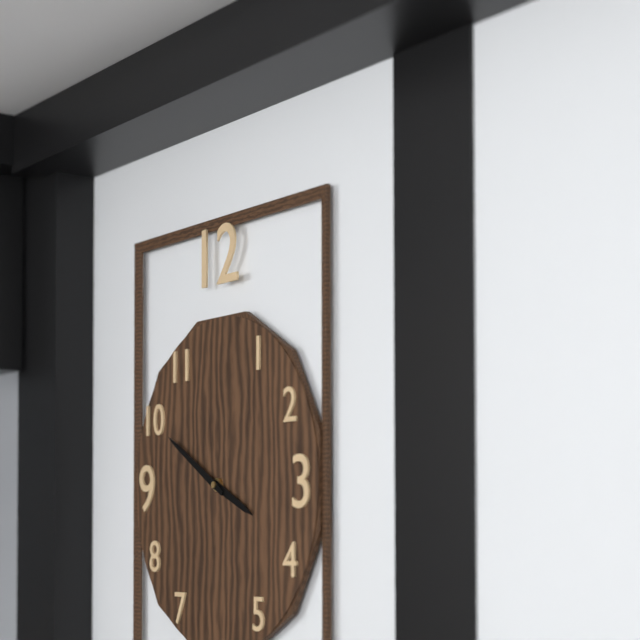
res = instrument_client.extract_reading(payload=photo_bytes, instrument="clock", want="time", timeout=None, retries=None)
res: 3:50
